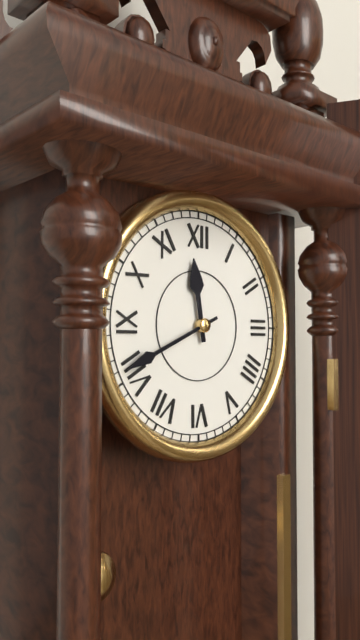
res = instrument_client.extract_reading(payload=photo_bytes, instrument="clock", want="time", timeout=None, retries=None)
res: 11:41
